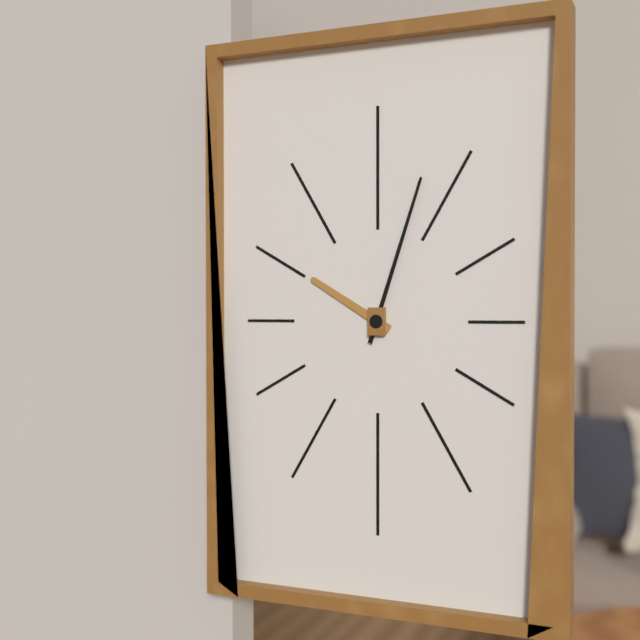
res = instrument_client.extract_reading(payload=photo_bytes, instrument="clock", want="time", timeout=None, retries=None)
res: 10:03
